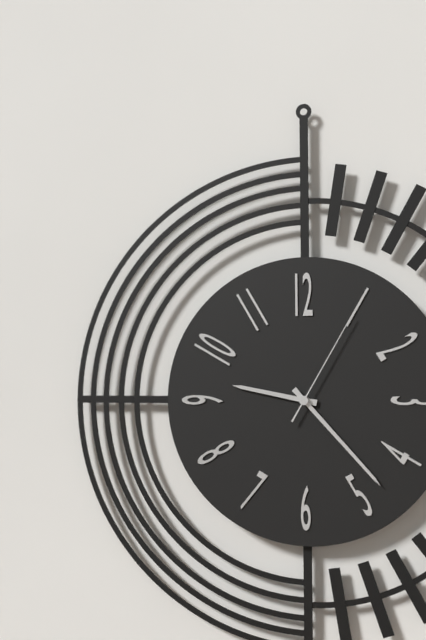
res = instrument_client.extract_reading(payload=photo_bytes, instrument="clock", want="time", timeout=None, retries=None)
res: 9:23:05
